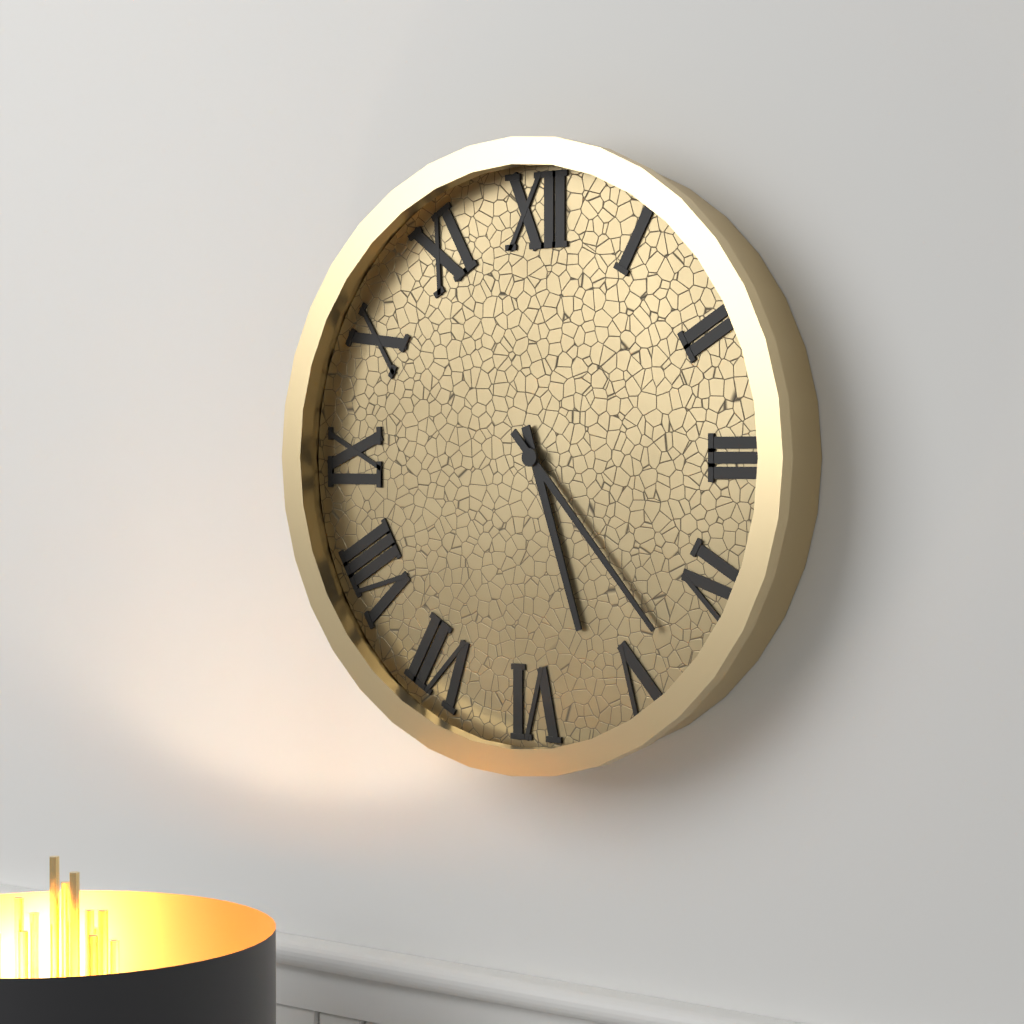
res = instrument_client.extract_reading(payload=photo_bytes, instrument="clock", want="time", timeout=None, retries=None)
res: 5:23
